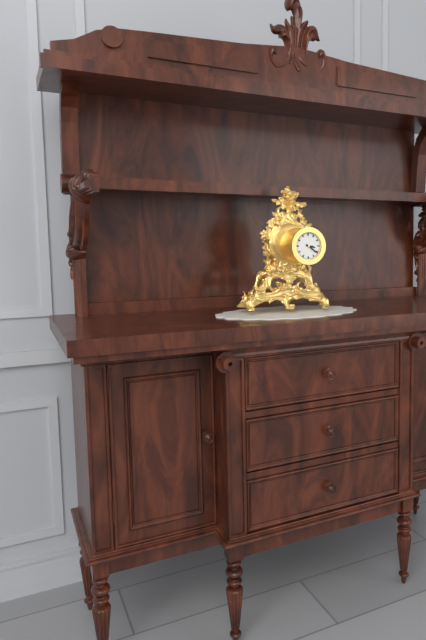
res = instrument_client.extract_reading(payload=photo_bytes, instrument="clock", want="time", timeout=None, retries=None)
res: 3:21
